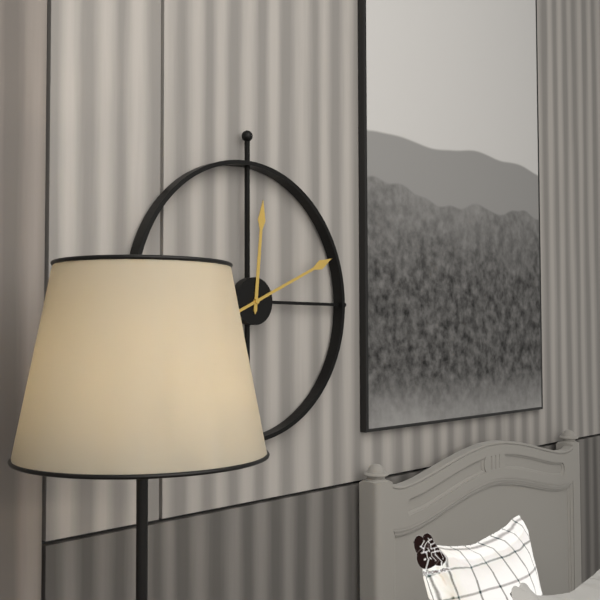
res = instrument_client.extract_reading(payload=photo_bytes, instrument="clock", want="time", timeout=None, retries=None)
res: 12:11
